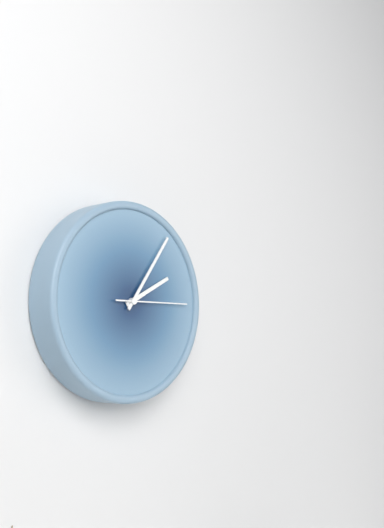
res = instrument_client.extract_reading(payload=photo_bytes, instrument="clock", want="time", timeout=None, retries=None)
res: 2:06:15
